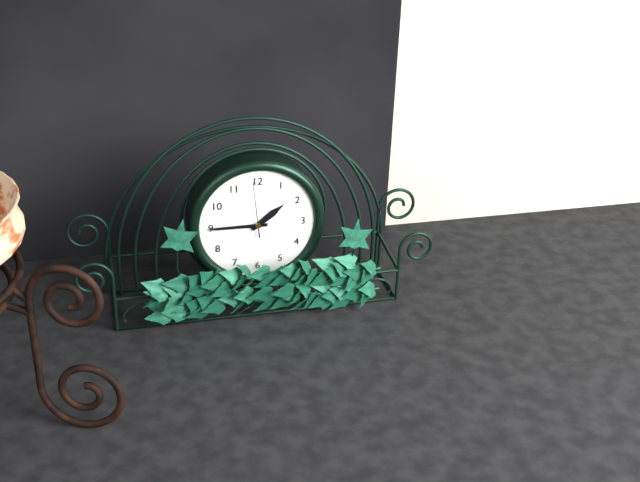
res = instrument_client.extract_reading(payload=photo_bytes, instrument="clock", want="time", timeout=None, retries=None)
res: 1:45:59
